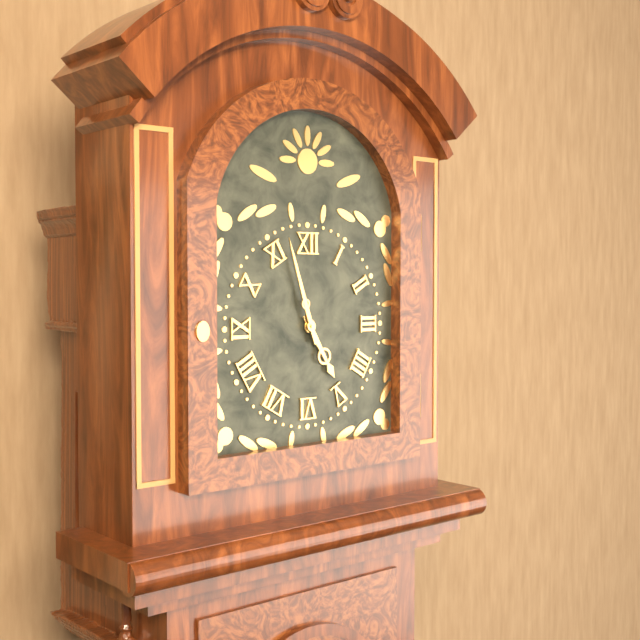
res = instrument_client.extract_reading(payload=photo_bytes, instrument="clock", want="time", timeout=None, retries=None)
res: 4:57
